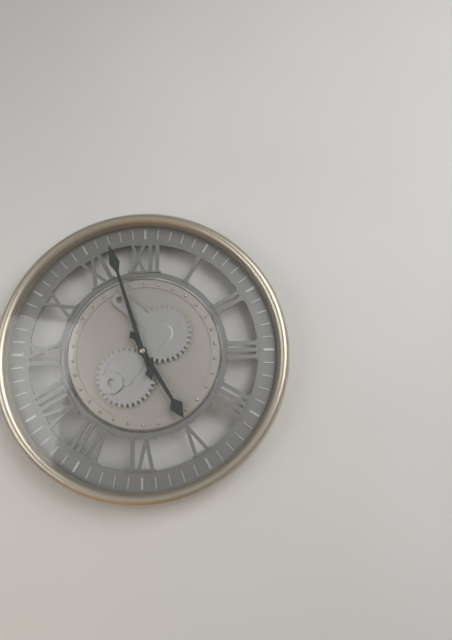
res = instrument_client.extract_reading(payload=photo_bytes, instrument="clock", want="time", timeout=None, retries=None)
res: 4:57
